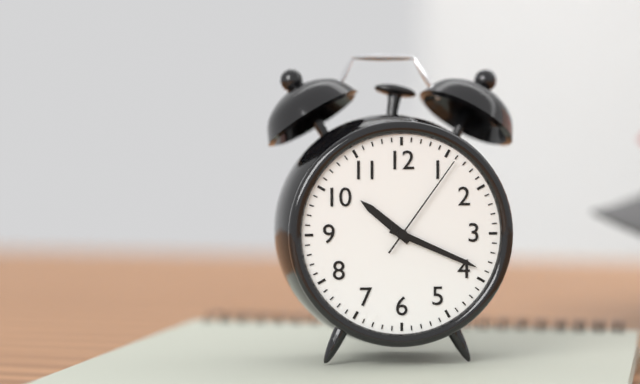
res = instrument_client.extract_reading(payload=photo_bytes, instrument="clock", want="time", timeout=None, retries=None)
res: 10:19:06
